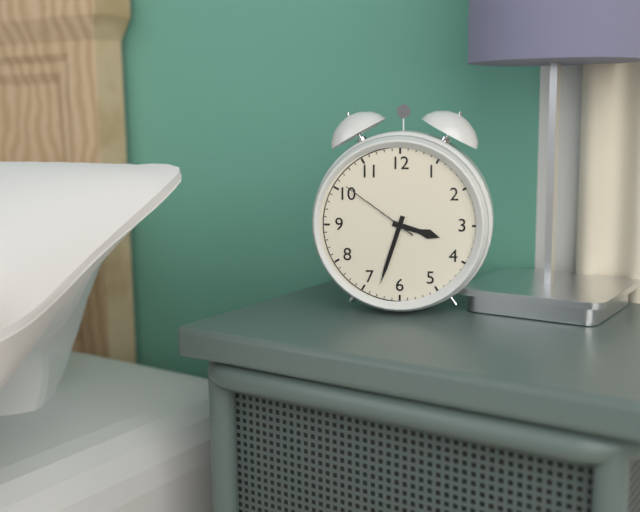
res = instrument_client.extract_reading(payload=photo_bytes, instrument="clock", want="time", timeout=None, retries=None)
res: 3:33:51
